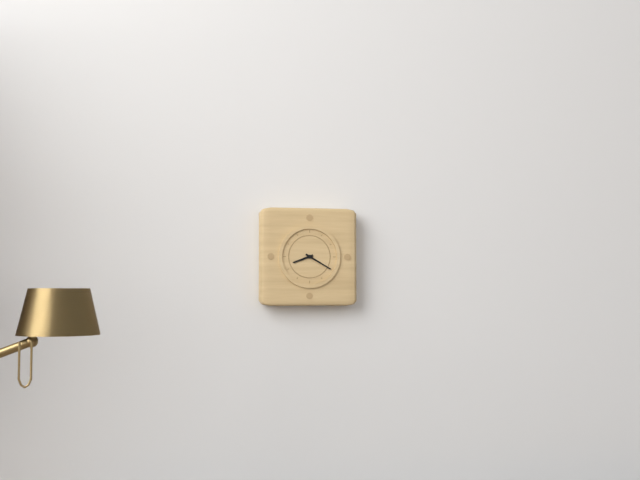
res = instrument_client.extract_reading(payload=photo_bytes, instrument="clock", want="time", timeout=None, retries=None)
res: 8:20
